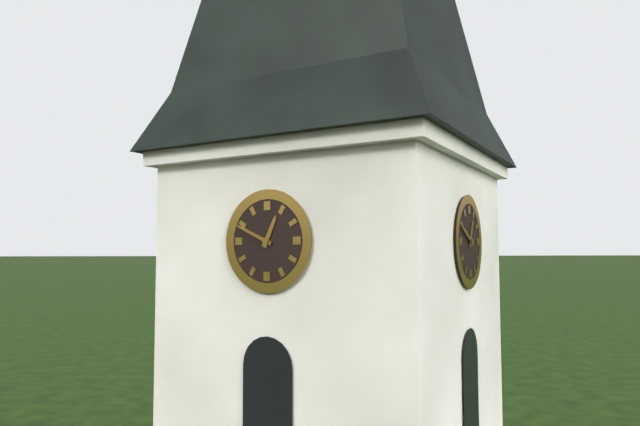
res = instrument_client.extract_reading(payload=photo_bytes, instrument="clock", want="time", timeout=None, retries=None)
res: 12:49
